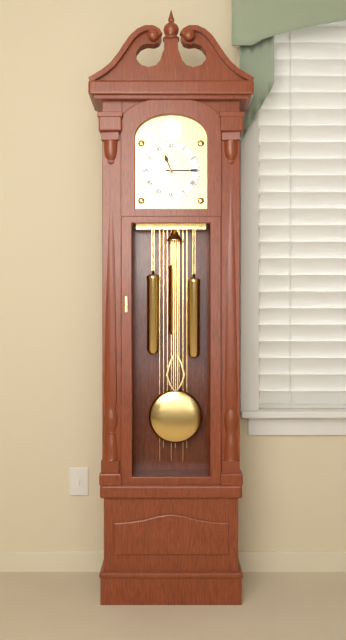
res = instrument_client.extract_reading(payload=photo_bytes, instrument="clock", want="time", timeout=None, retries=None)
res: 11:15
